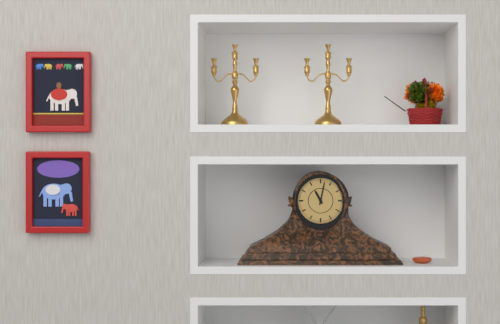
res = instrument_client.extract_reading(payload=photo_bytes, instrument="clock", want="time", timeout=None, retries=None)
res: 11:02
